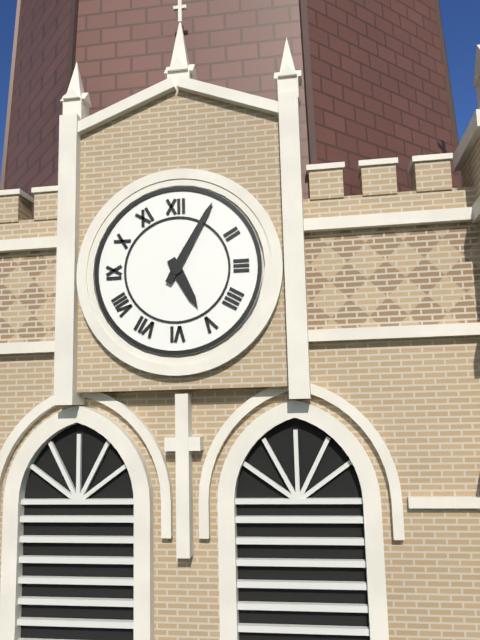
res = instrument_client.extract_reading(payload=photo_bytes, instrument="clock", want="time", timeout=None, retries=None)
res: 5:05
